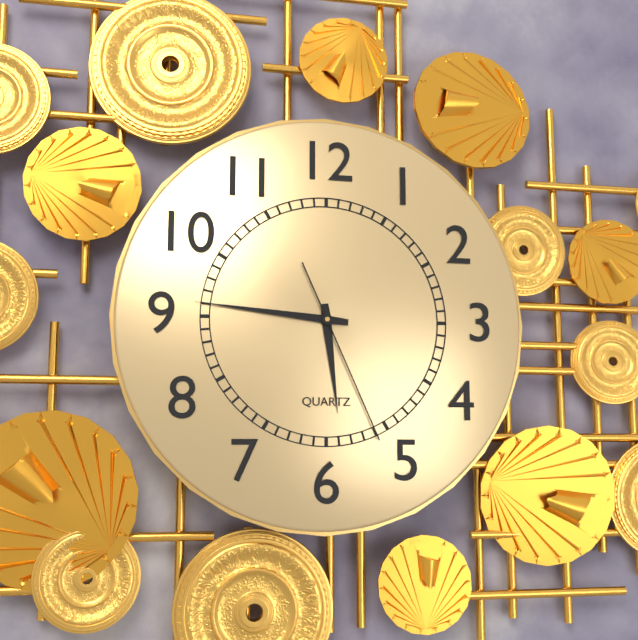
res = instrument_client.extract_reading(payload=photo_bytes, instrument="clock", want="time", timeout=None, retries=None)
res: 5:46:26
